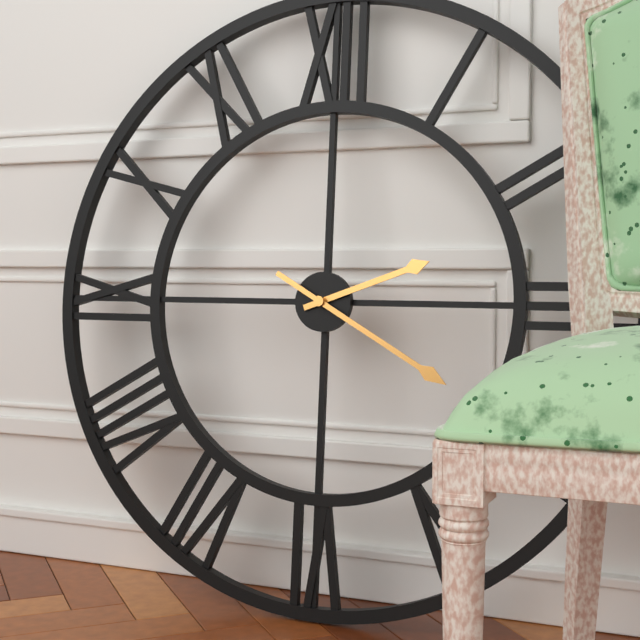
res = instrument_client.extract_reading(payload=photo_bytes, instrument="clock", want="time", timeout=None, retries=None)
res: 2:20
